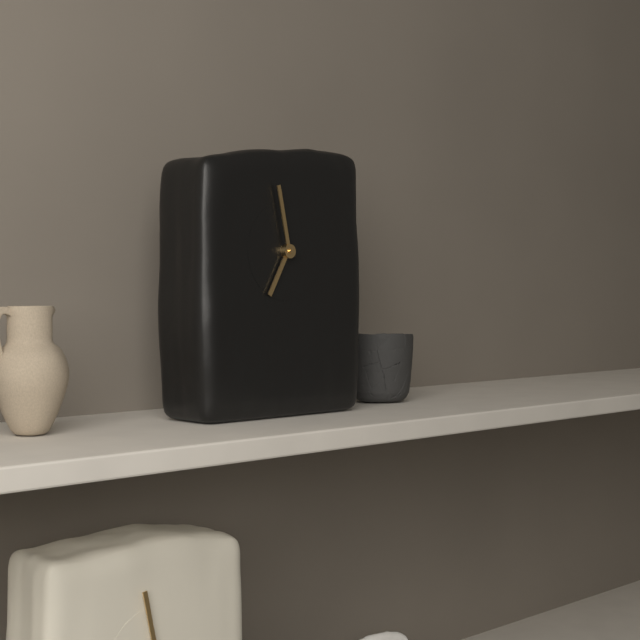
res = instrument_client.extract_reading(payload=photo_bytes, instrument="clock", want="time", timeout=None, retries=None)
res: 6:58
